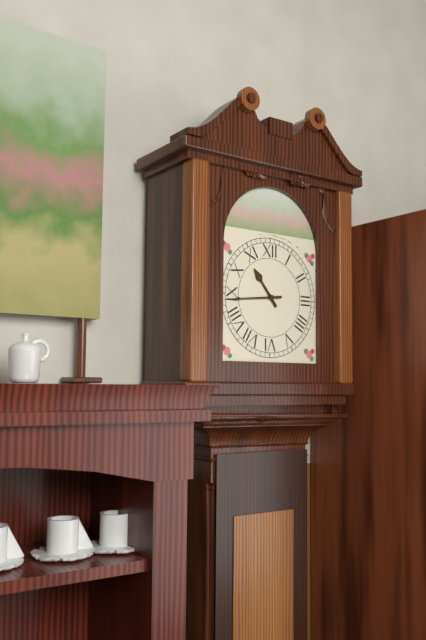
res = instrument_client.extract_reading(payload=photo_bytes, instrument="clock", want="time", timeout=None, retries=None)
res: 10:44
